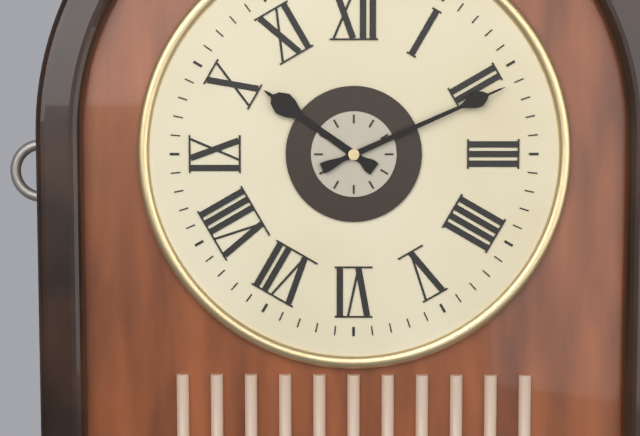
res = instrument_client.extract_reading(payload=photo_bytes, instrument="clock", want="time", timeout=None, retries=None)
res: 10:11
